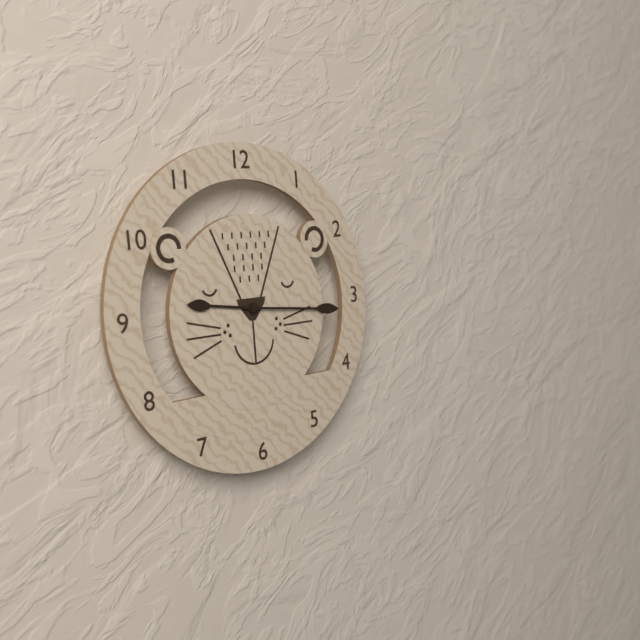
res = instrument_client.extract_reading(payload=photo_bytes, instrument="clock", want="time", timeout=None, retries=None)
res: 9:16
